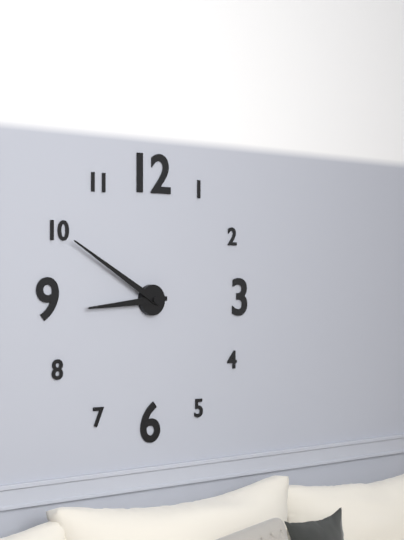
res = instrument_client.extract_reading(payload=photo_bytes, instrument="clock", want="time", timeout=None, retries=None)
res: 8:50
